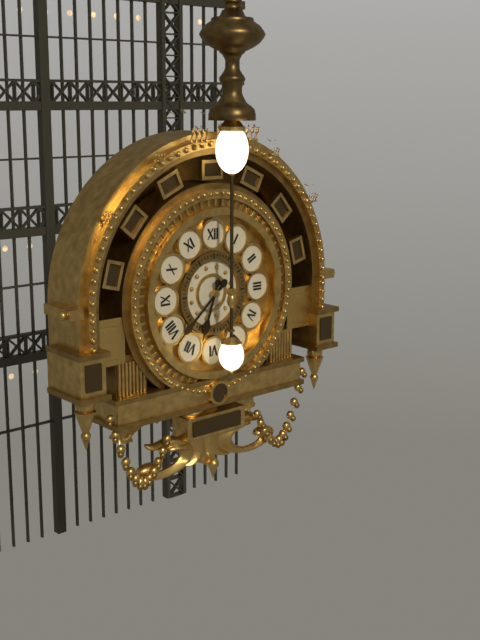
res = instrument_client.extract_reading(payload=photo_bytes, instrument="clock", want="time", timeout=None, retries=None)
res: 6:38
